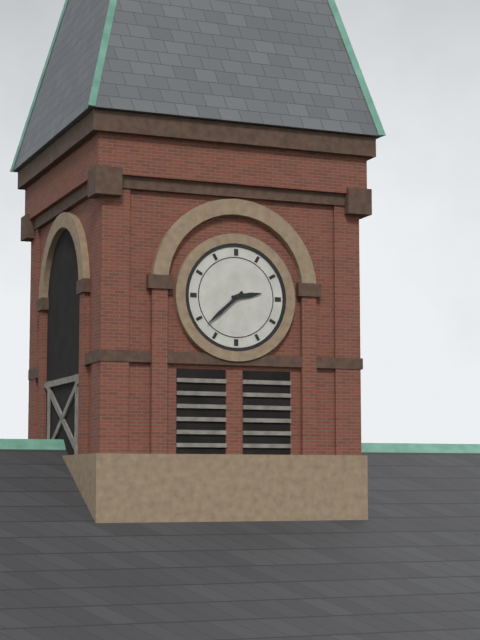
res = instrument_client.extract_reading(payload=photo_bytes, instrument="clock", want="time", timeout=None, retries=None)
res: 2:38
